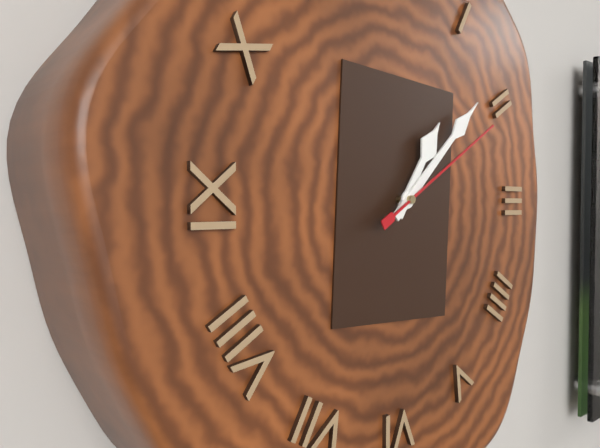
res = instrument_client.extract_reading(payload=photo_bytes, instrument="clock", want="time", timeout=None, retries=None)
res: 1:08:10
